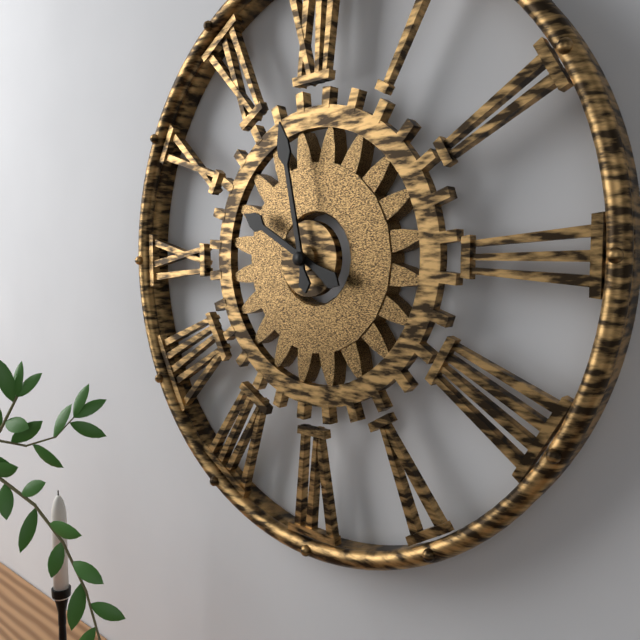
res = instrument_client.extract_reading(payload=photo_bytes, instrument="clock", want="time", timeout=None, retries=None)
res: 9:58
